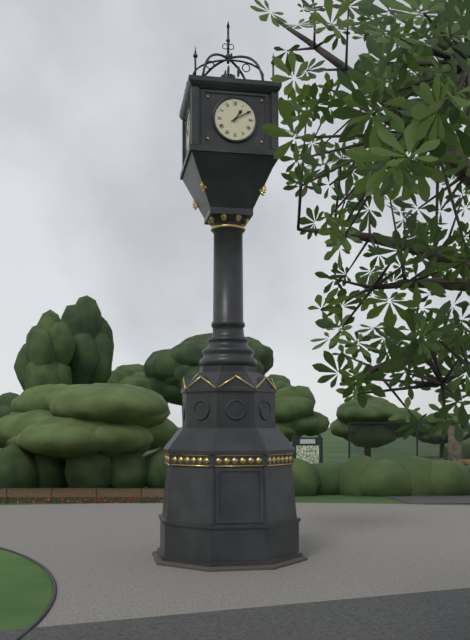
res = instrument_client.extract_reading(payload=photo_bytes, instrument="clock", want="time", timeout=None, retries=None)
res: 1:10
